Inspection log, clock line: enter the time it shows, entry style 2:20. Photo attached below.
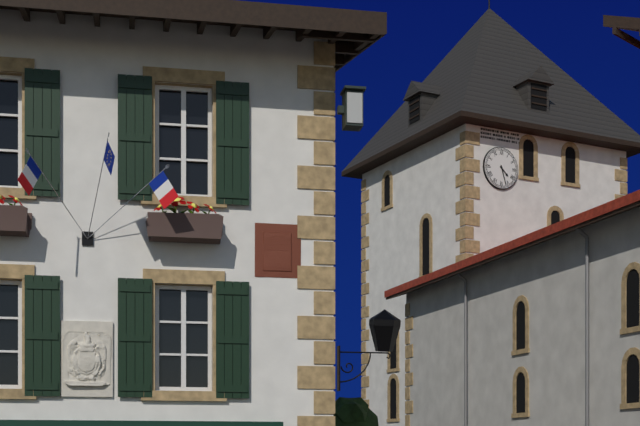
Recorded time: 4:27
